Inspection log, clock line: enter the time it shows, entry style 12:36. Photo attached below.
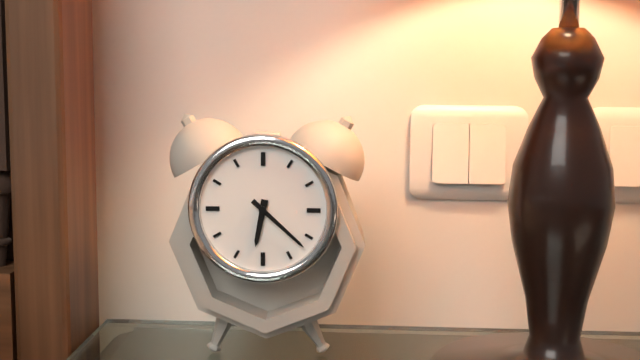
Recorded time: 6:22
